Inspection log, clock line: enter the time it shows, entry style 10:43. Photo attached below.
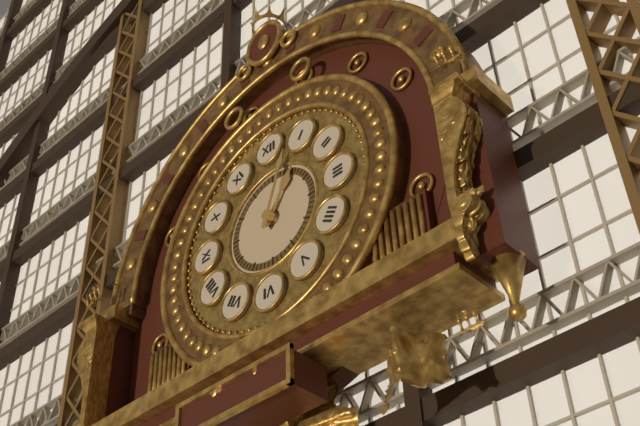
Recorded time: 1:03
